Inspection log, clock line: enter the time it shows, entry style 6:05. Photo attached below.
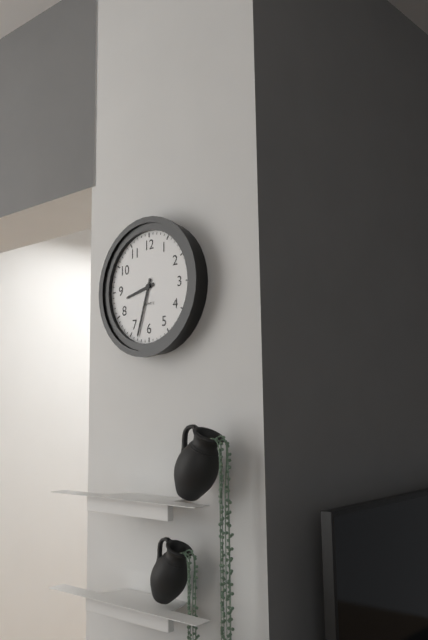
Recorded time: 8:33
